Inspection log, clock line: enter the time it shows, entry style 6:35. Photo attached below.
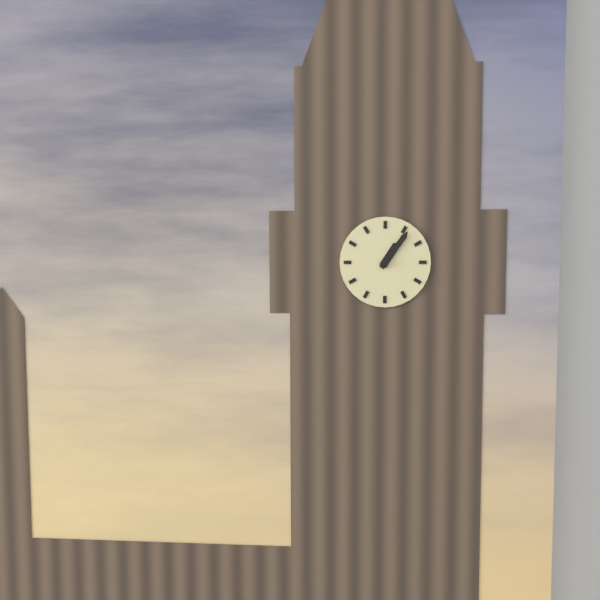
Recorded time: 1:06
